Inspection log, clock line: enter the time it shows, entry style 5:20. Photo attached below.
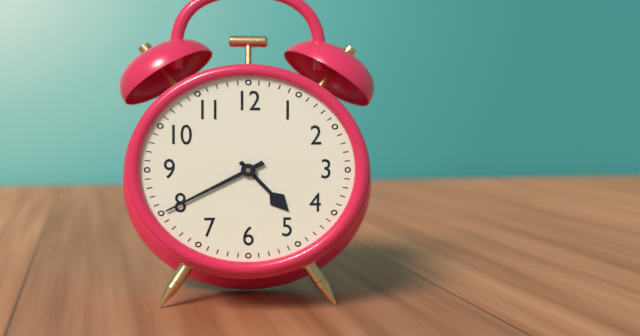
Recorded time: 4:40
